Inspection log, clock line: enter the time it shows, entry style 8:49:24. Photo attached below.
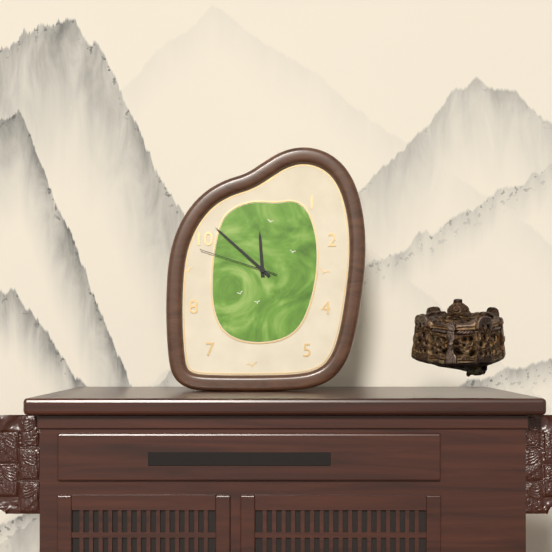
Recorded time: 11:52:48
